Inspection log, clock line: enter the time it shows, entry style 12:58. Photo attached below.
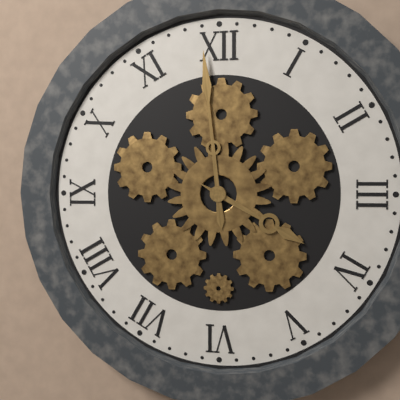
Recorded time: 3:59
